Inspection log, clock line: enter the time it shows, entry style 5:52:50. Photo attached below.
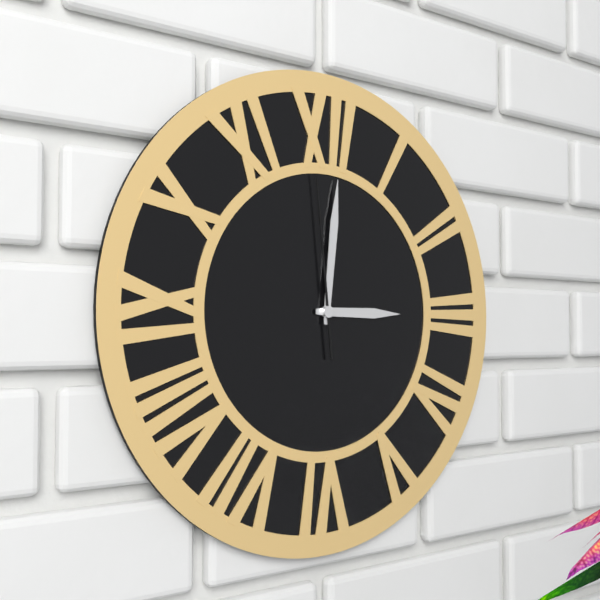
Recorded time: 3:01:59
